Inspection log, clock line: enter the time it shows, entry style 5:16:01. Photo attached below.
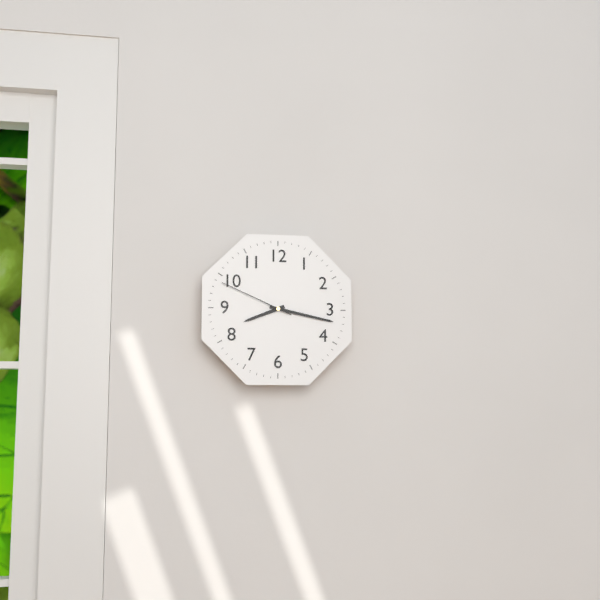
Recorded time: 8:17:49
